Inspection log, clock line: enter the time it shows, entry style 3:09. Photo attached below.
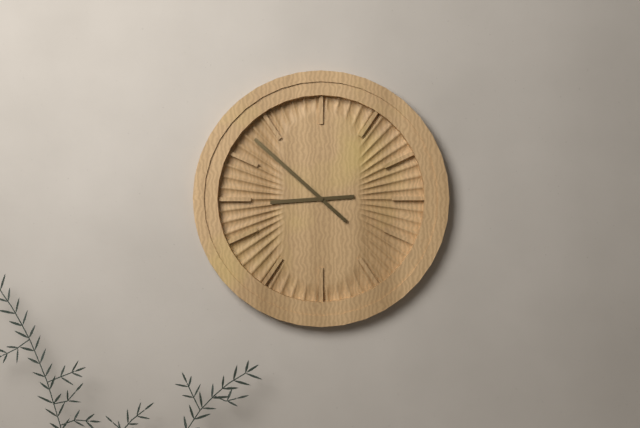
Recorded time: 8:52
